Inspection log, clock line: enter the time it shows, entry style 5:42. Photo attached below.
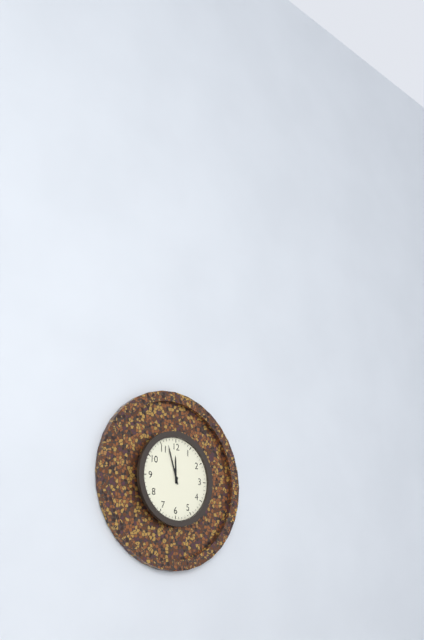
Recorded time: 11:57
